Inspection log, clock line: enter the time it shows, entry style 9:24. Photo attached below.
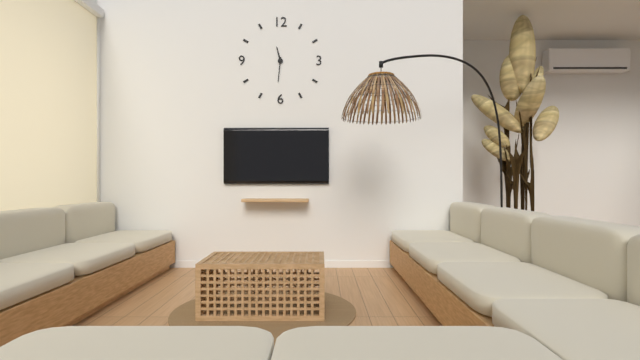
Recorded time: 11:31
